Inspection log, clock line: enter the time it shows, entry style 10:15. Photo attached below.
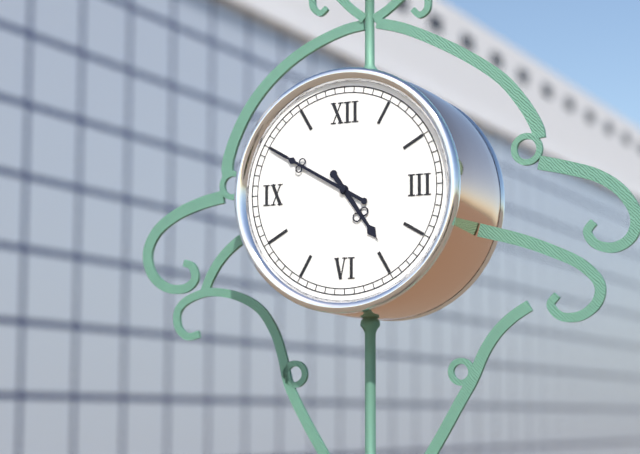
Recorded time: 4:50
